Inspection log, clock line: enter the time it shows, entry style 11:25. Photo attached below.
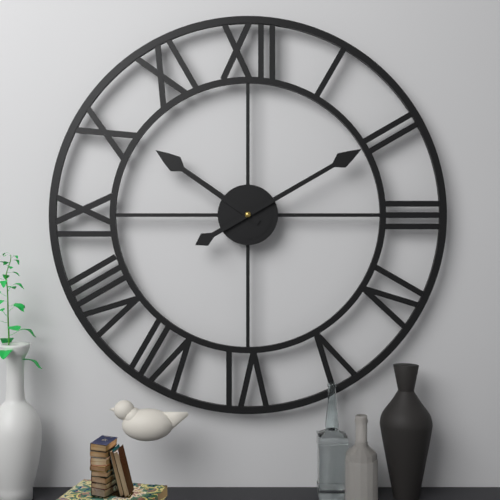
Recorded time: 10:10
